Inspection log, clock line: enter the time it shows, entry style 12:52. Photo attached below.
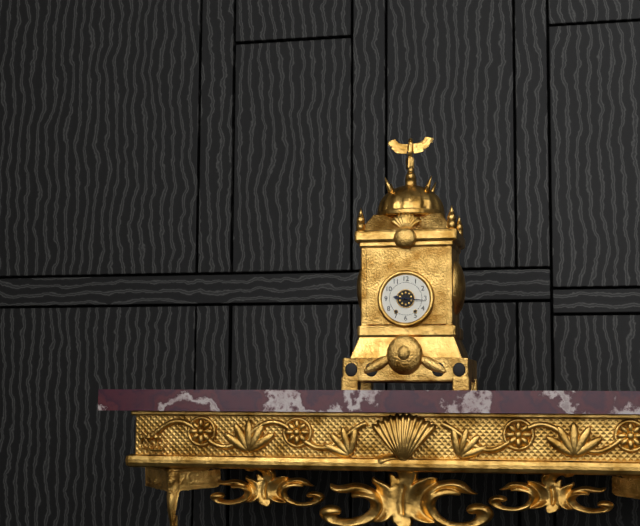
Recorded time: 9:16
